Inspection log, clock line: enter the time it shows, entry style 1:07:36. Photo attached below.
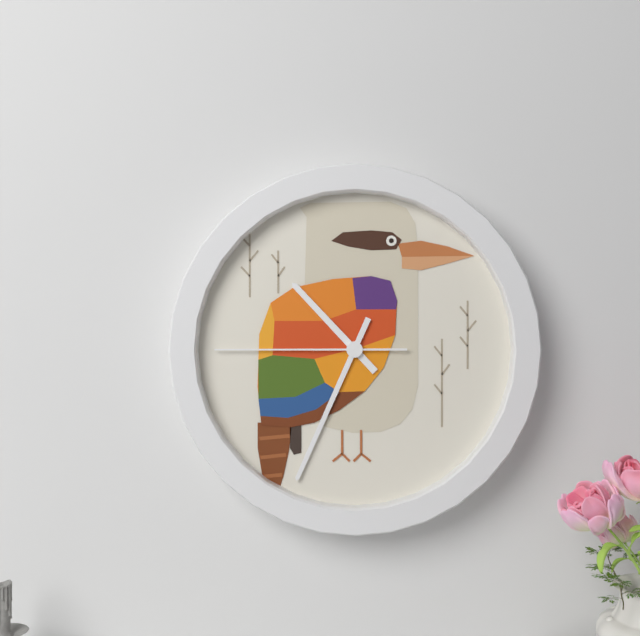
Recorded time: 10:34:45
